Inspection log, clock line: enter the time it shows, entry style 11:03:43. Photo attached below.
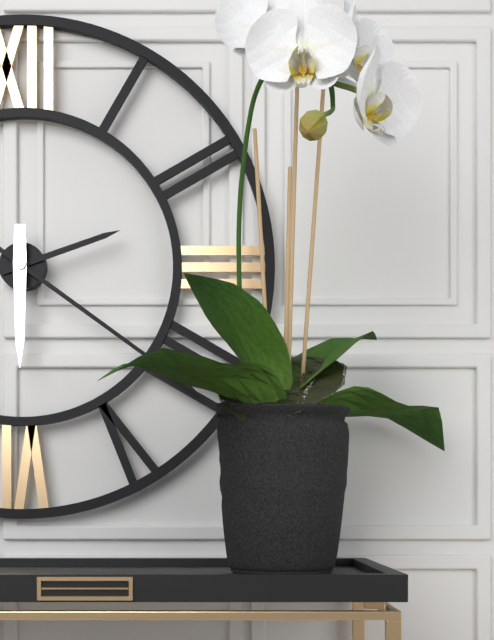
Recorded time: 2:21:30
